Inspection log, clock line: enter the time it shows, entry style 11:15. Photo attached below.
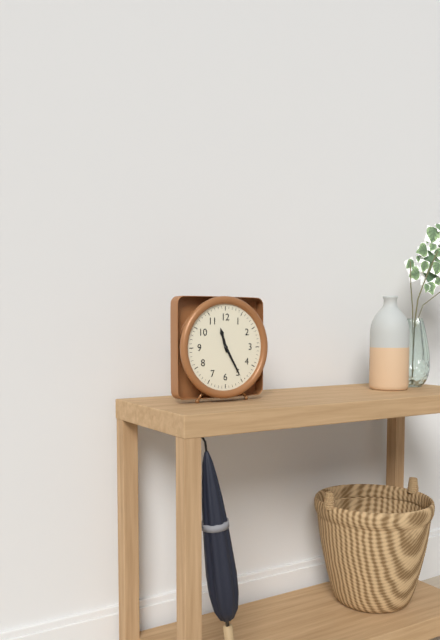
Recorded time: 11:25
